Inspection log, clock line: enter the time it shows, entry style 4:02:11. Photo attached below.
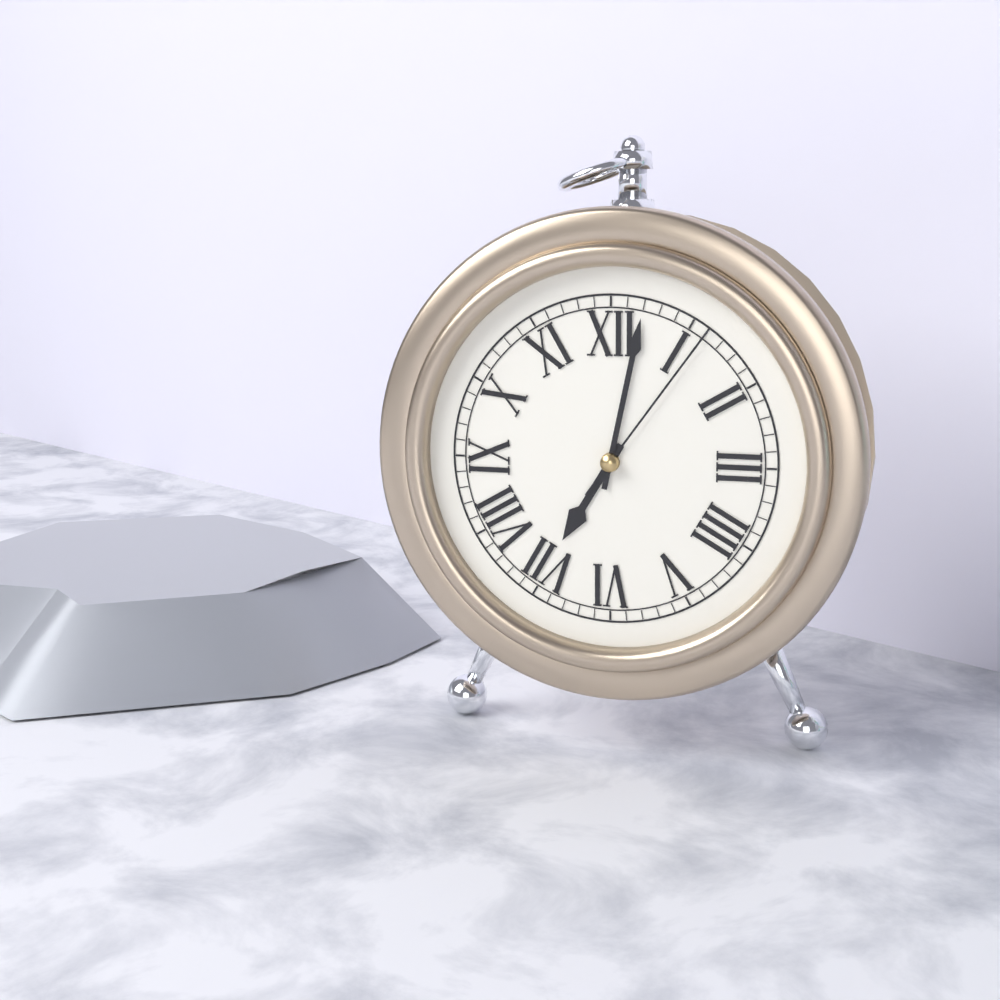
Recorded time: 7:02:06
